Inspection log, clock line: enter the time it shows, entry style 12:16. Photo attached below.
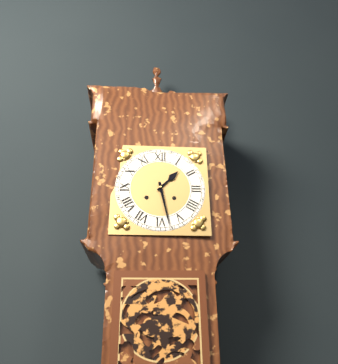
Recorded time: 1:28
